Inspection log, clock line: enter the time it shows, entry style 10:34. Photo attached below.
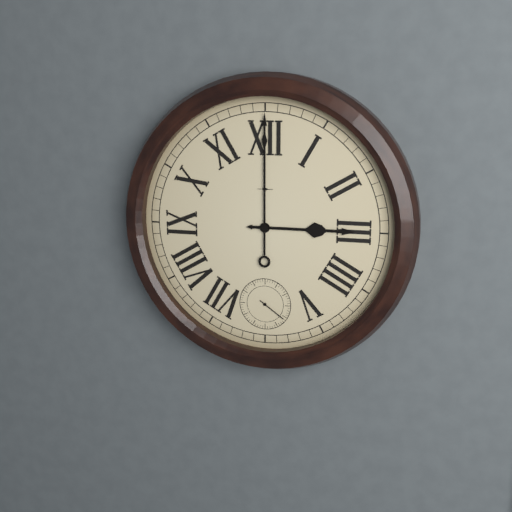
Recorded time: 3:00
